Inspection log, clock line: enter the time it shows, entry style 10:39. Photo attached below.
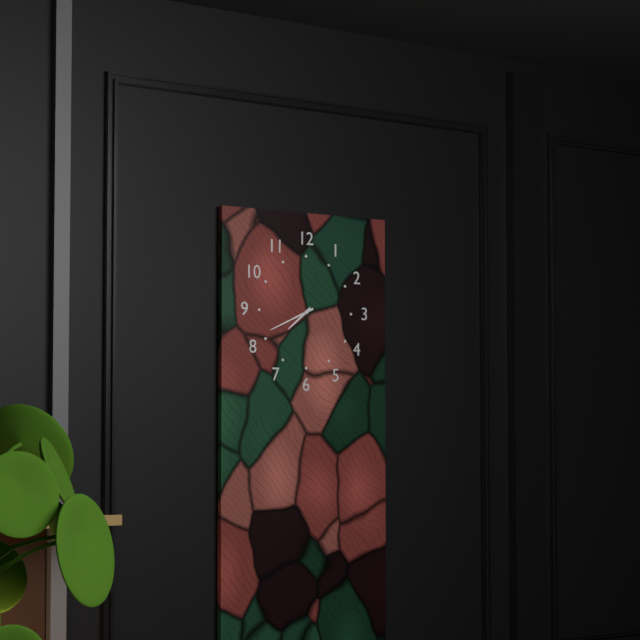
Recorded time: 7:41
